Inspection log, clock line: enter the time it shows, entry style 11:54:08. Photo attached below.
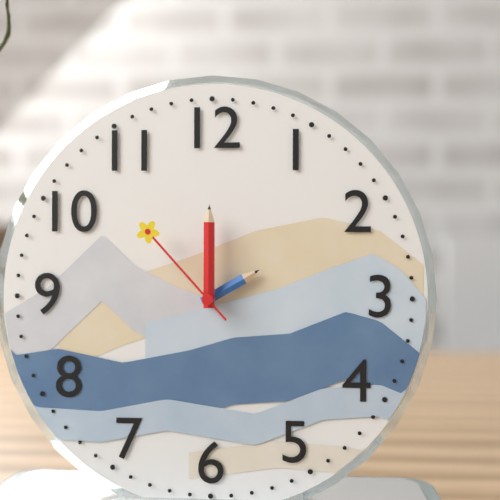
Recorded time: 2:00:53
